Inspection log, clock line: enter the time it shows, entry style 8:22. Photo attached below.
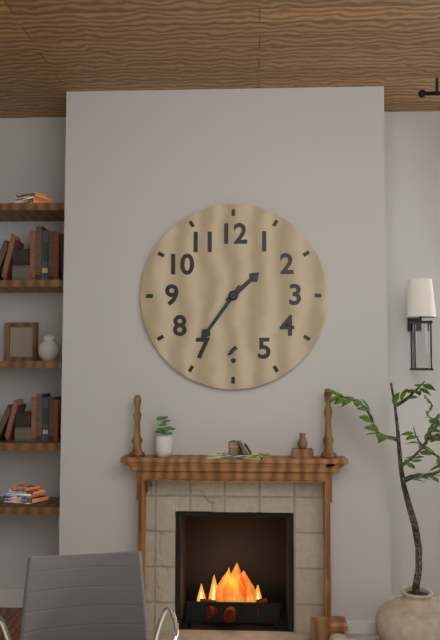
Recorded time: 1:36
